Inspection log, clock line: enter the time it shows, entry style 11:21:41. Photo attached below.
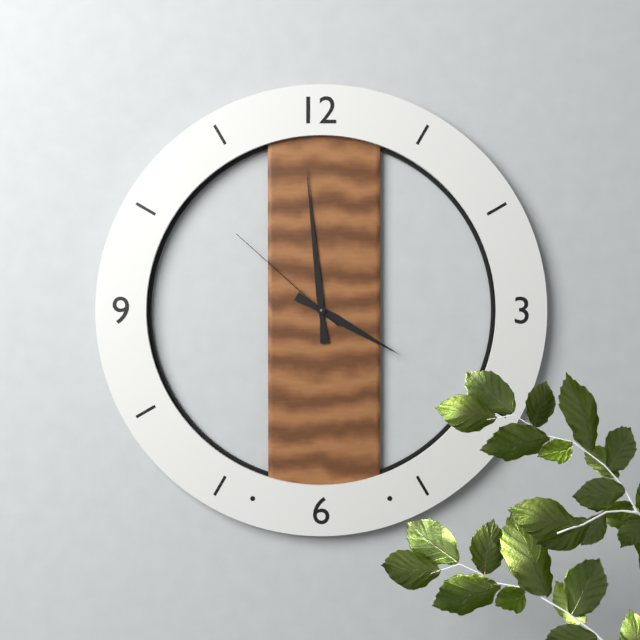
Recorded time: 3:59:52
